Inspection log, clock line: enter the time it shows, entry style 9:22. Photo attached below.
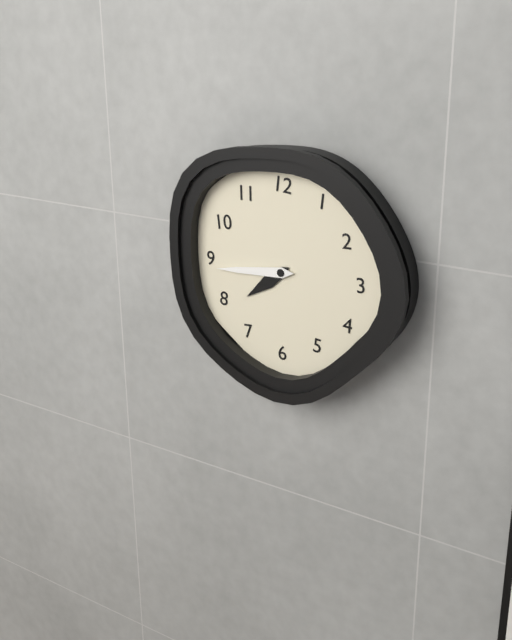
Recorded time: 7:44
